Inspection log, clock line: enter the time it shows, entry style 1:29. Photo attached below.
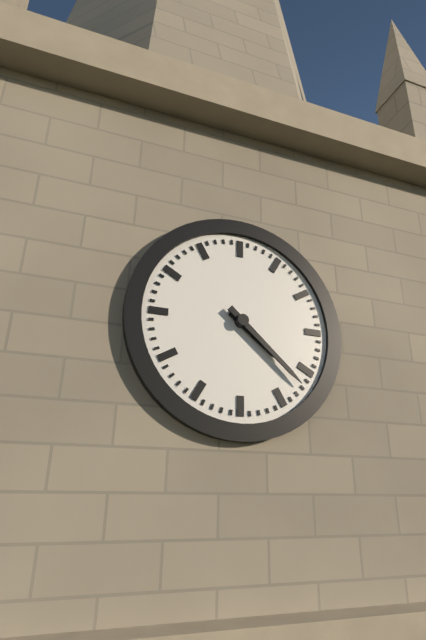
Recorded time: 4:22
